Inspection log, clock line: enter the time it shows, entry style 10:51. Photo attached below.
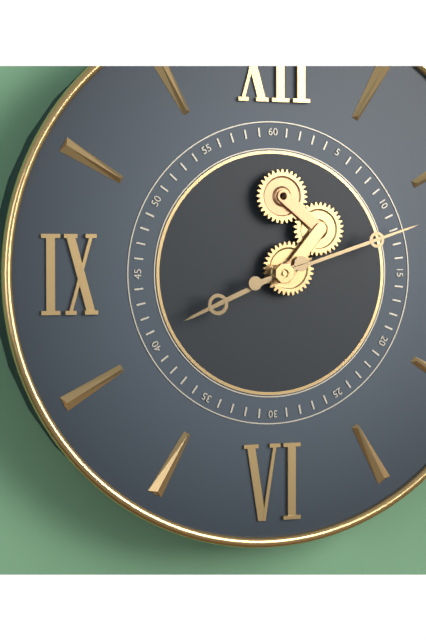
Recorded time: 8:12
